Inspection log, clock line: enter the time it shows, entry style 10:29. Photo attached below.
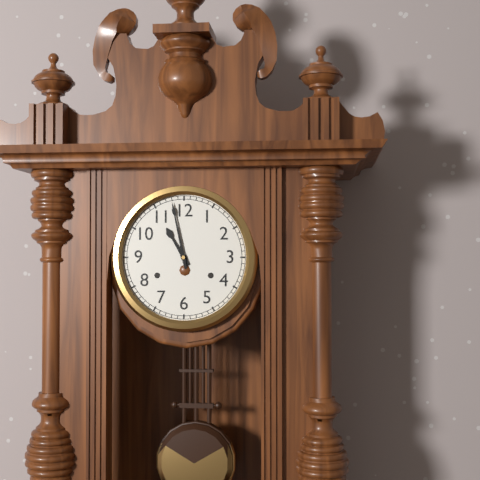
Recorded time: 10:58
